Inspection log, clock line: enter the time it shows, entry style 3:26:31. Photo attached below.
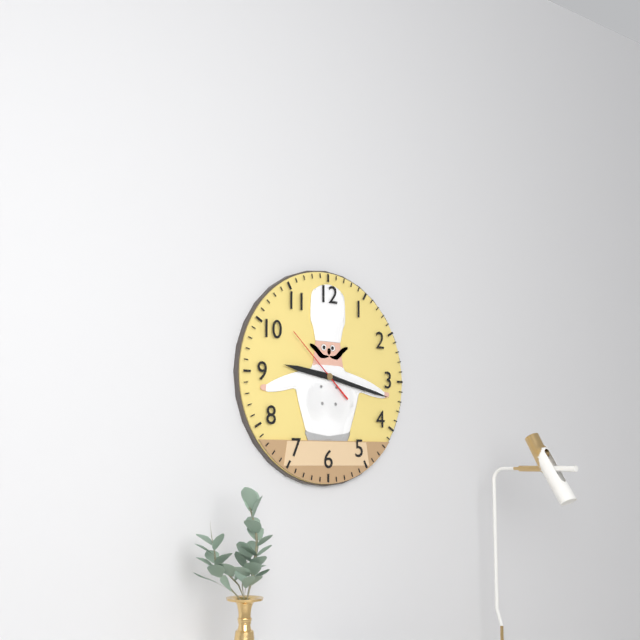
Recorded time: 9:17:52
